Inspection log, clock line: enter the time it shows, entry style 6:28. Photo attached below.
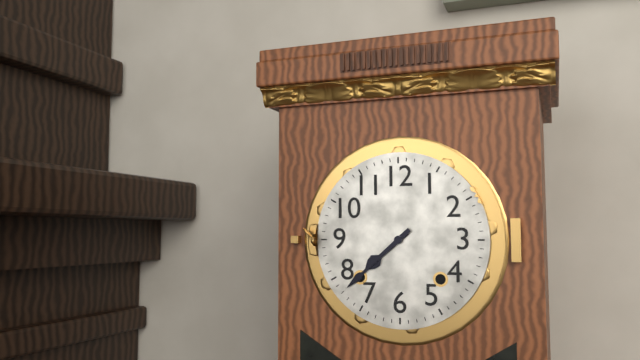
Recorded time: 7:38
